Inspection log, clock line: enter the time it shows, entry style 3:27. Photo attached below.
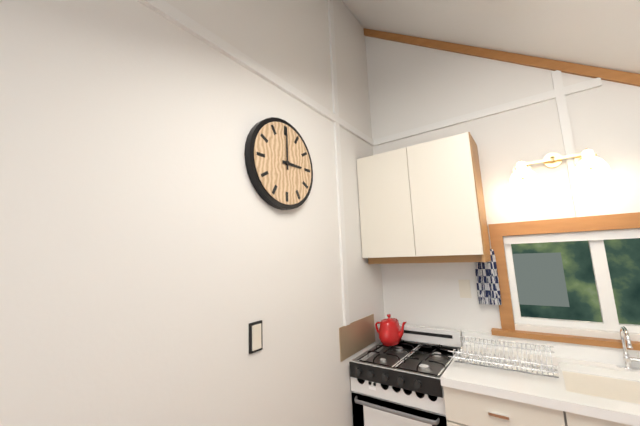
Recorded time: 3:00
